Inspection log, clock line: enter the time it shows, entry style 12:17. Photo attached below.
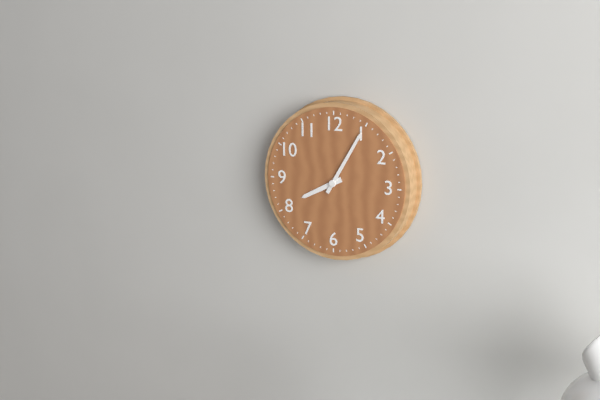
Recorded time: 8:05
